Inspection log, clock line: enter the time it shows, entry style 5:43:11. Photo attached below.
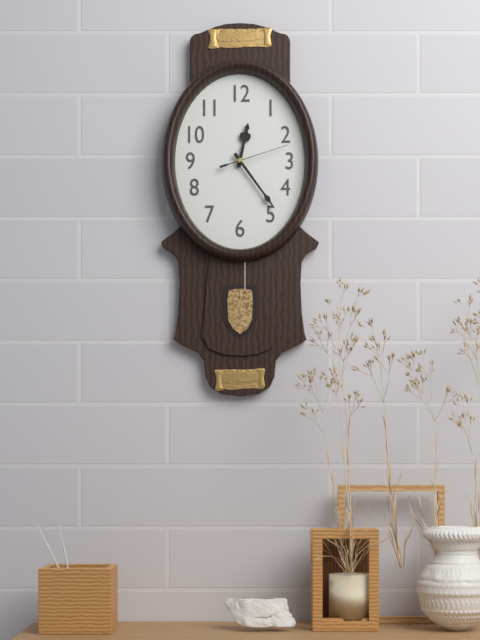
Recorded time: 12:24:12
